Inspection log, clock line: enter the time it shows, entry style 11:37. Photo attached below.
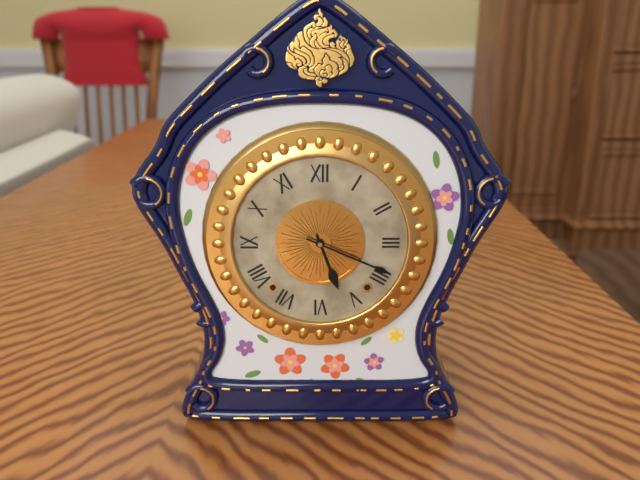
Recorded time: 5:19
